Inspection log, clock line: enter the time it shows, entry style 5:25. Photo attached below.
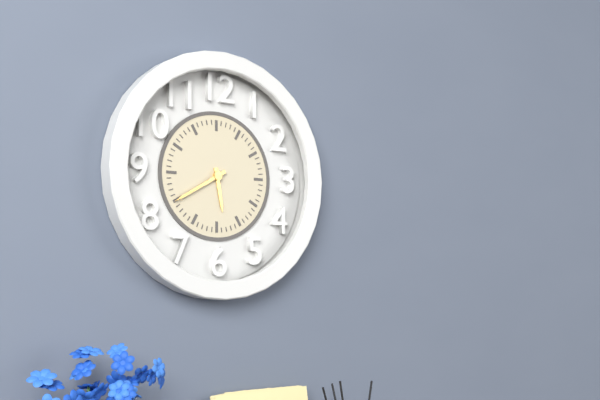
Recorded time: 5:40
